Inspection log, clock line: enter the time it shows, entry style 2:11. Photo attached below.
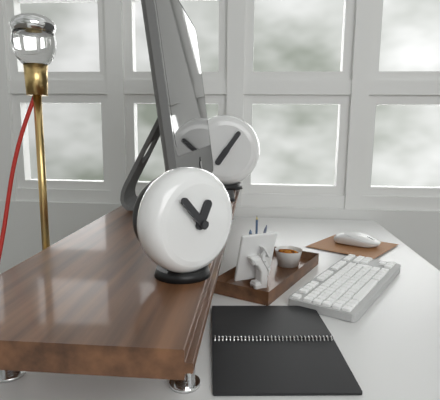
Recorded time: 12:53
